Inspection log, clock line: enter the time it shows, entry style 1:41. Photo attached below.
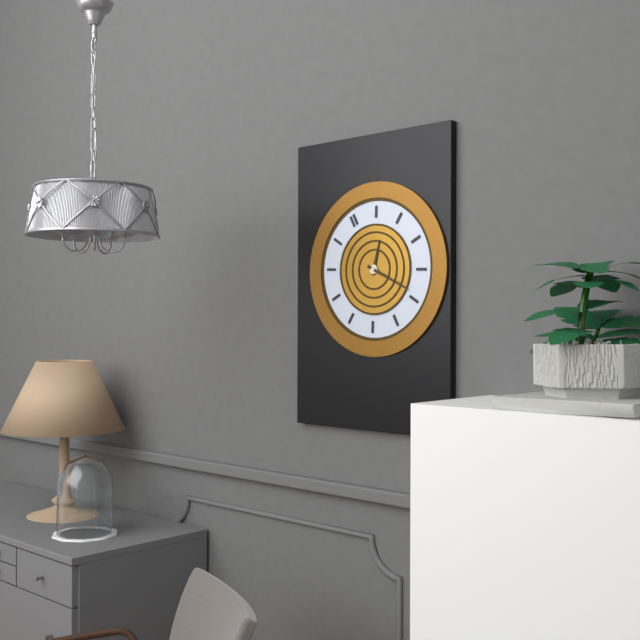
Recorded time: 1:24
